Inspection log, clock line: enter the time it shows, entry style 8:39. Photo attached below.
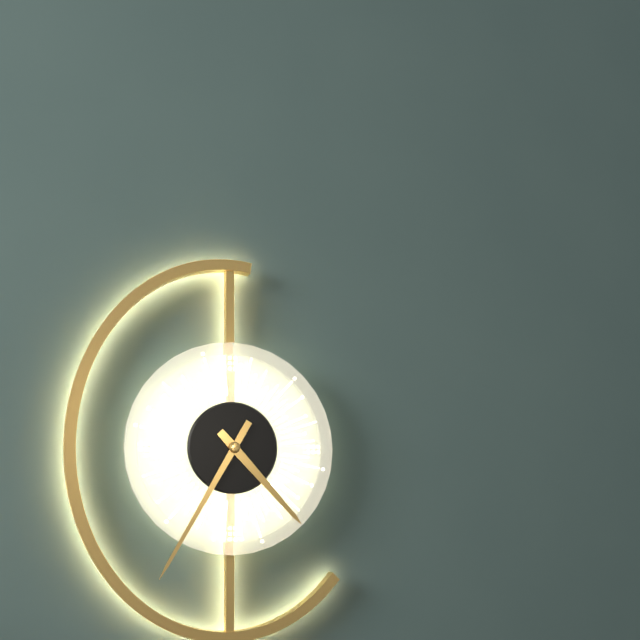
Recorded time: 4:35
